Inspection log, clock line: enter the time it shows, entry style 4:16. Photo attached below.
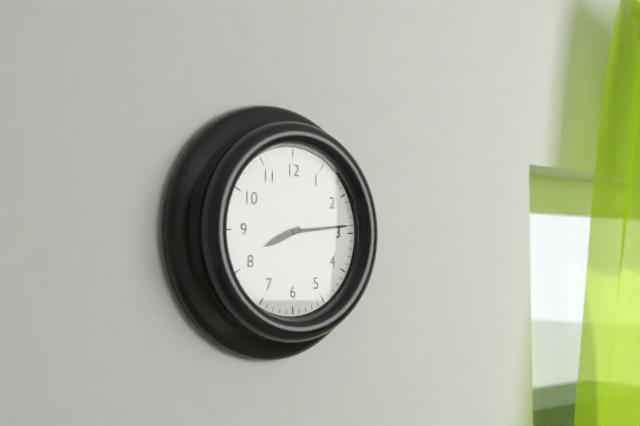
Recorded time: 8:14
